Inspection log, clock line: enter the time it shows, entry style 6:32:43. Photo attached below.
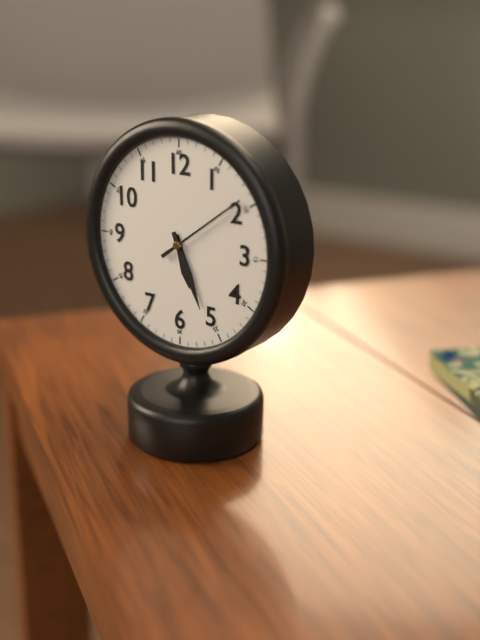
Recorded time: 5:26:09
